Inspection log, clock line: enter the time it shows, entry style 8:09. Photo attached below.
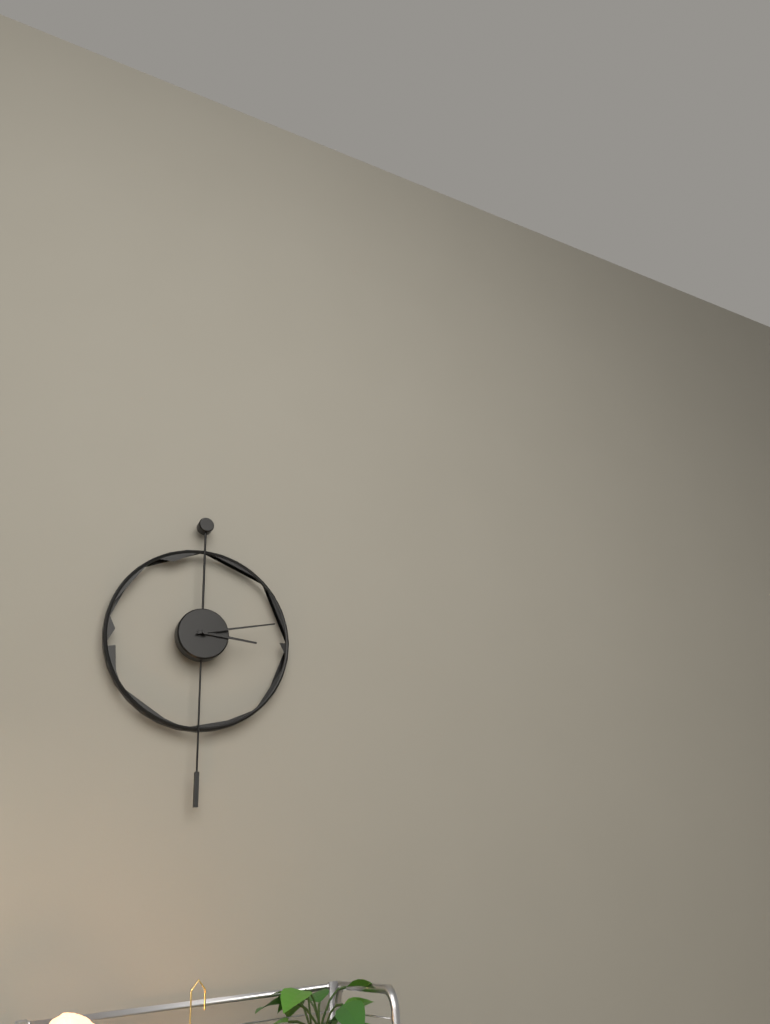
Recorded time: 3:13
